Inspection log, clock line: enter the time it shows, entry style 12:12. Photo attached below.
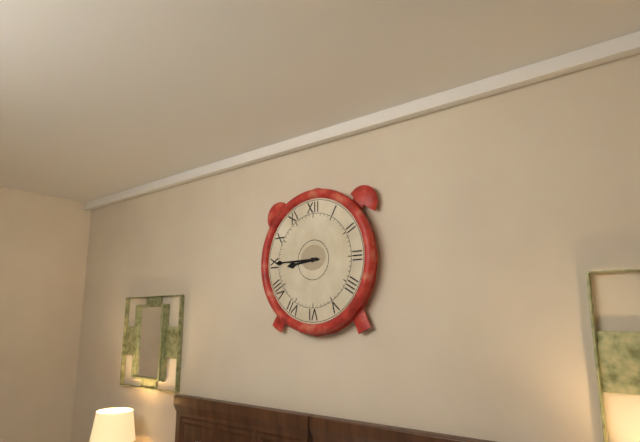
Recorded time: 8:45
